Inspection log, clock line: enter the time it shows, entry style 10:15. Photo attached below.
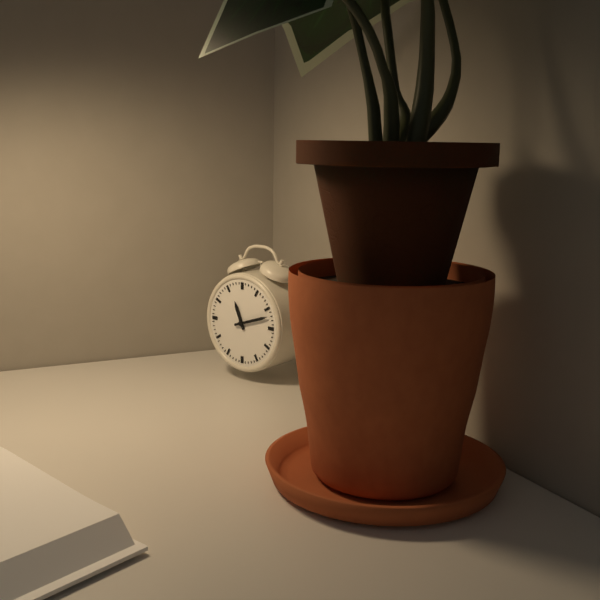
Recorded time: 11:12
